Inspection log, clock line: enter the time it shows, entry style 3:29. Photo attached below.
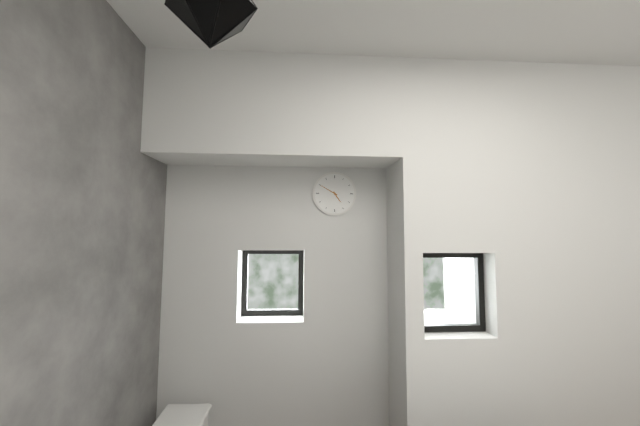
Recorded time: 4:50
